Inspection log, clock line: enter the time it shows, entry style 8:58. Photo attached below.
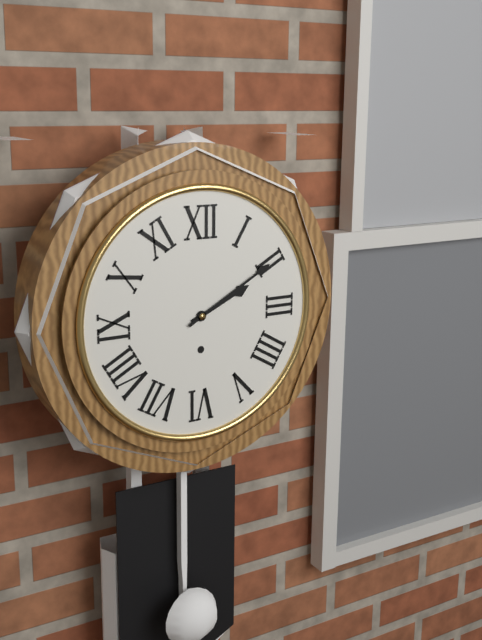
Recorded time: 2:10
